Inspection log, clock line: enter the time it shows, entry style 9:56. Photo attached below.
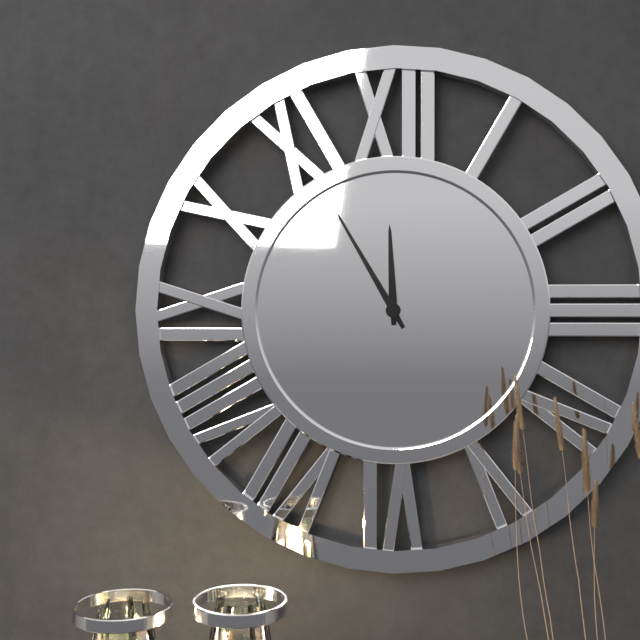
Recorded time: 11:55
